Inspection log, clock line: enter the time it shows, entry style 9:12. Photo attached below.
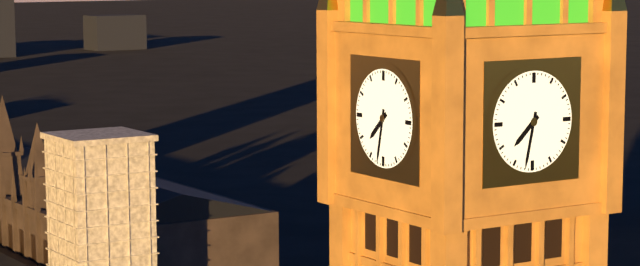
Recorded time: 7:32
